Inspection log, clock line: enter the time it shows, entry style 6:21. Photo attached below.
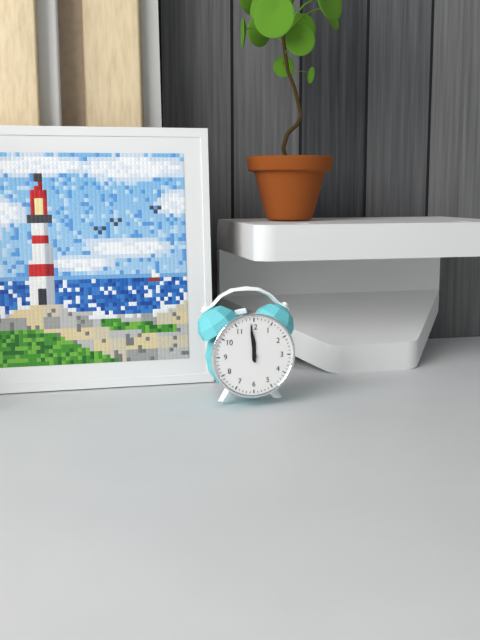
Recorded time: 11:59
